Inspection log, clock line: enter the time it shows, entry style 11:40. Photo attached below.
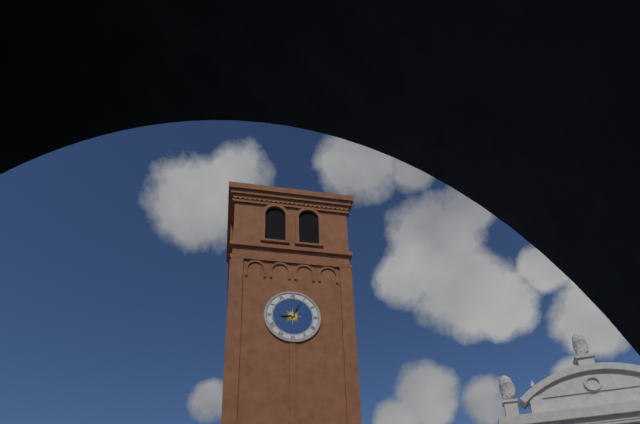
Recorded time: 9:04
